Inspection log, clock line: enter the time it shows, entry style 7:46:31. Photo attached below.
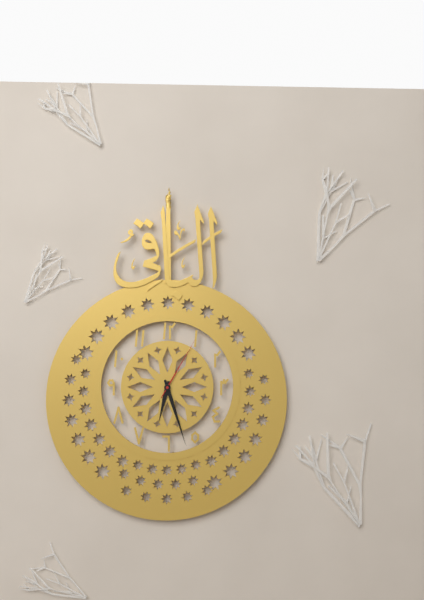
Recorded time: 6:27:05
